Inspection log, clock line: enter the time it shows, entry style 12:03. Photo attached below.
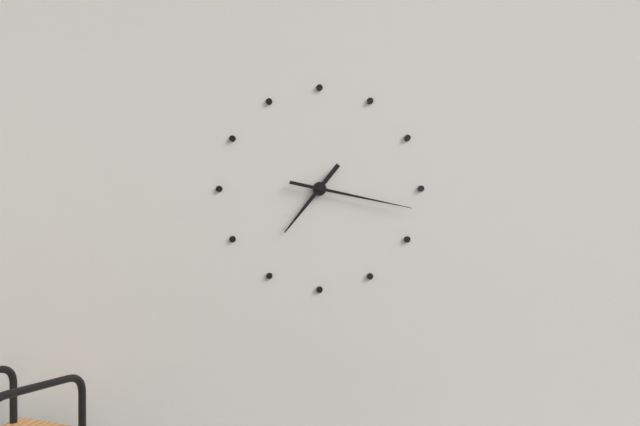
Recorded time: 7:17
